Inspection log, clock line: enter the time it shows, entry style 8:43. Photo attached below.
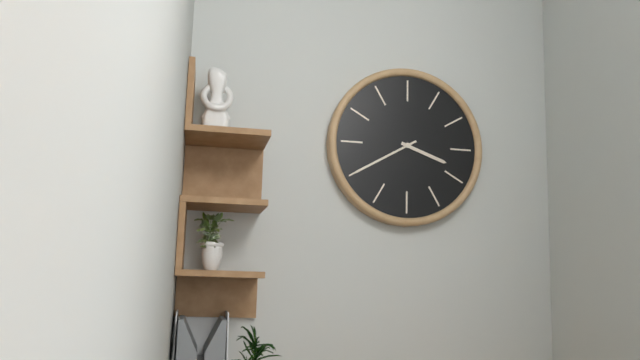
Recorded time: 3:40
